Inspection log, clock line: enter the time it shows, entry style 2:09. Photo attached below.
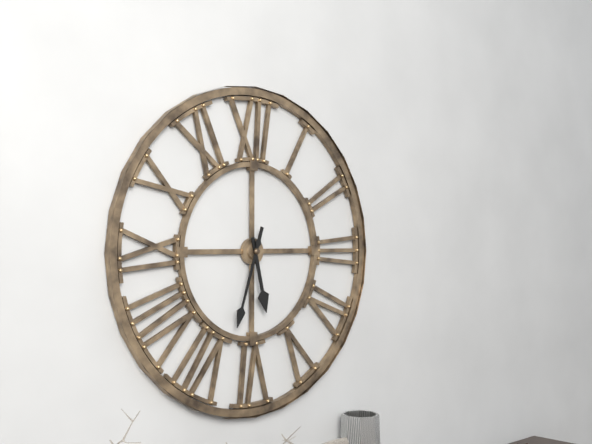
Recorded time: 5:33
